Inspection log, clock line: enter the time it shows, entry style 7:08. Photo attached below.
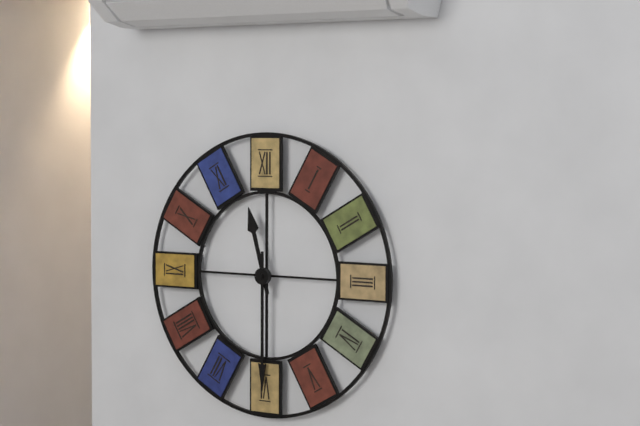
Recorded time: 11:30
